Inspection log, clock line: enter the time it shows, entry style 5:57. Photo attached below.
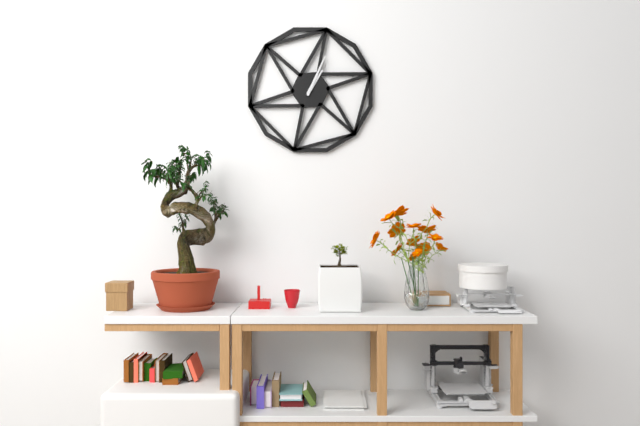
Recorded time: 1:04
